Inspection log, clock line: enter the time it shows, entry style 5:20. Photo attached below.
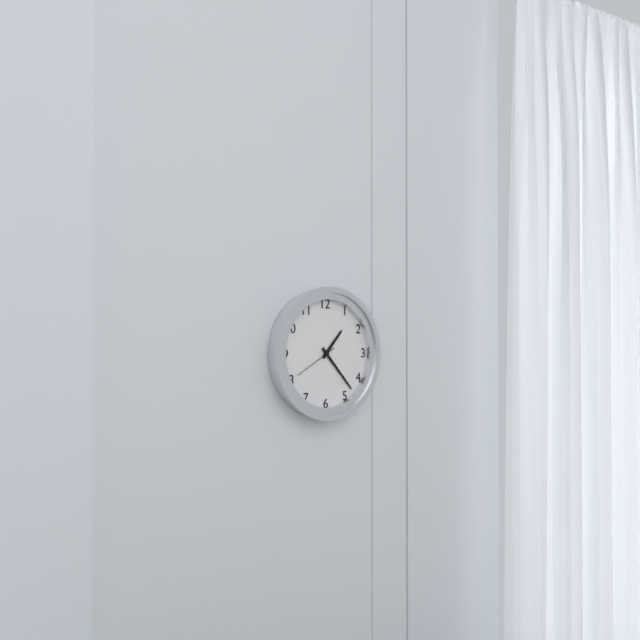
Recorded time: 1:23
